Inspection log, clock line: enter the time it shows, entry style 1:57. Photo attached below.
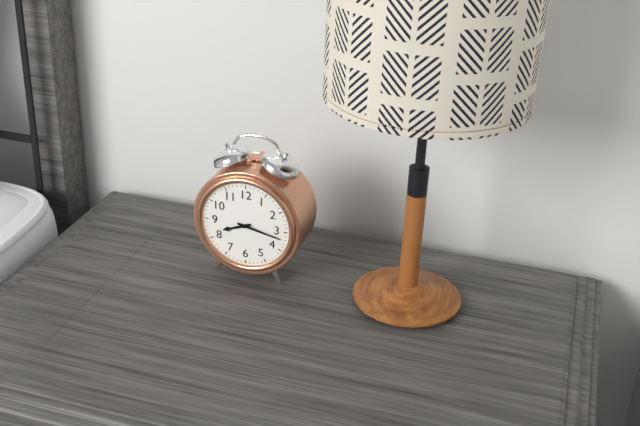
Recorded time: 8:17
